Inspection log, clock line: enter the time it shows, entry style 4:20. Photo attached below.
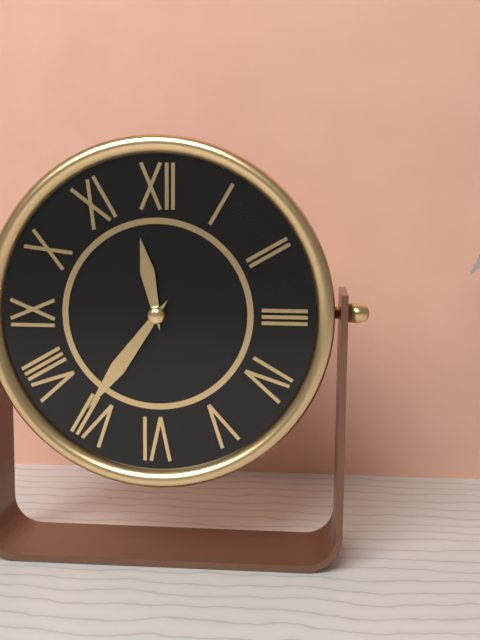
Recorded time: 11:36
